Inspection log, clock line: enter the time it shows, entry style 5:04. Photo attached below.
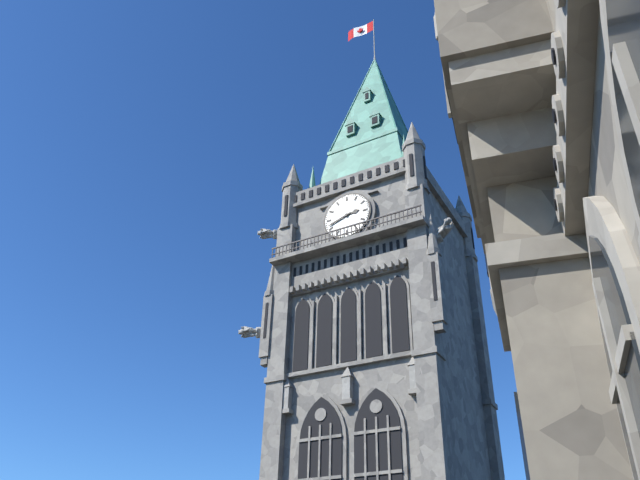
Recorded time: 2:42
